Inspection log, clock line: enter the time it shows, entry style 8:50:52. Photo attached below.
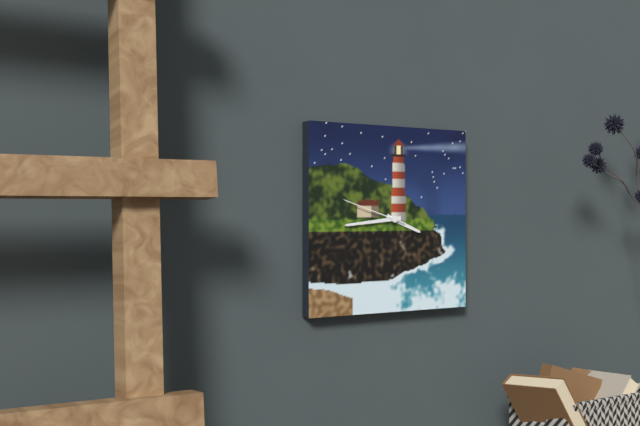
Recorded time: 3:44:48
